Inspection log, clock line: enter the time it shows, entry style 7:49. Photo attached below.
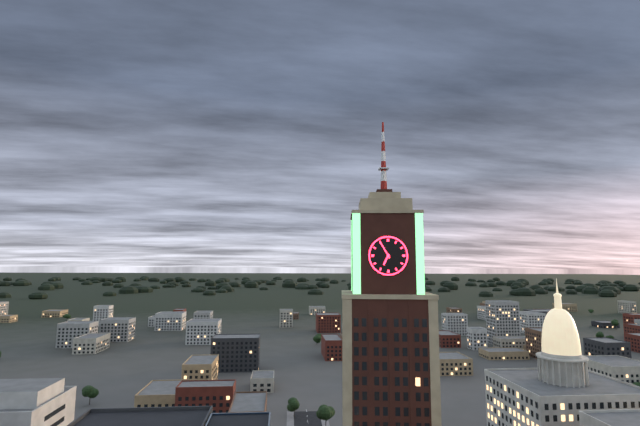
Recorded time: 6:55
